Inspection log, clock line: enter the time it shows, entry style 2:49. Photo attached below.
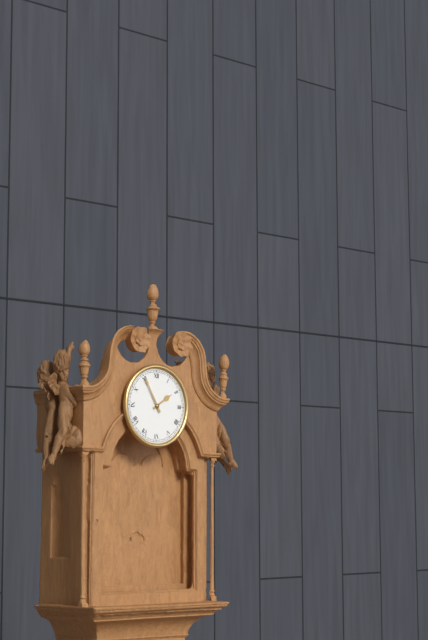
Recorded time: 1:55
